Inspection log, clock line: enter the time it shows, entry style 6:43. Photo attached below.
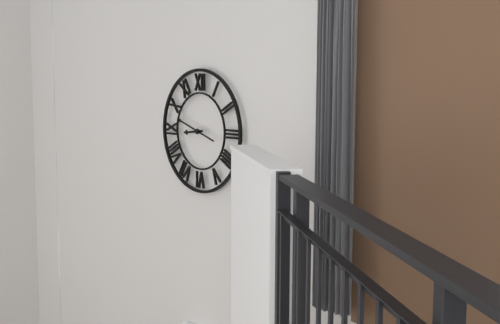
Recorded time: 8:48
